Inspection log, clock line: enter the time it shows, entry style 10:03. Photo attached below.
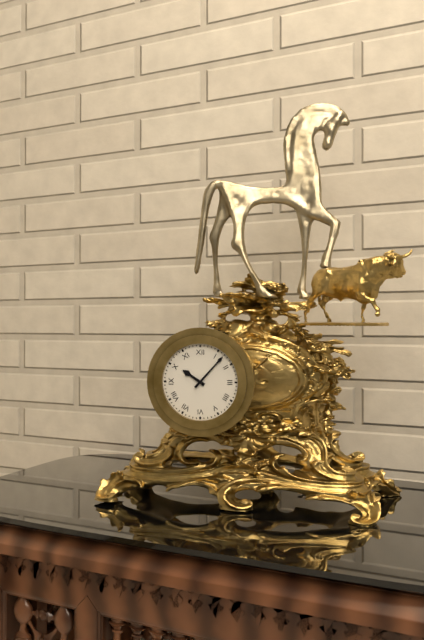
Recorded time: 10:07
